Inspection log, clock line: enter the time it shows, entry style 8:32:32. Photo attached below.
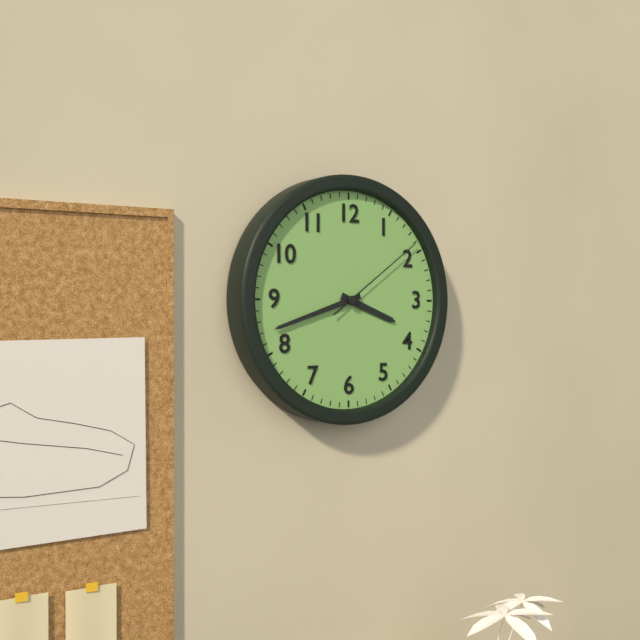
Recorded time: 3:42:09
